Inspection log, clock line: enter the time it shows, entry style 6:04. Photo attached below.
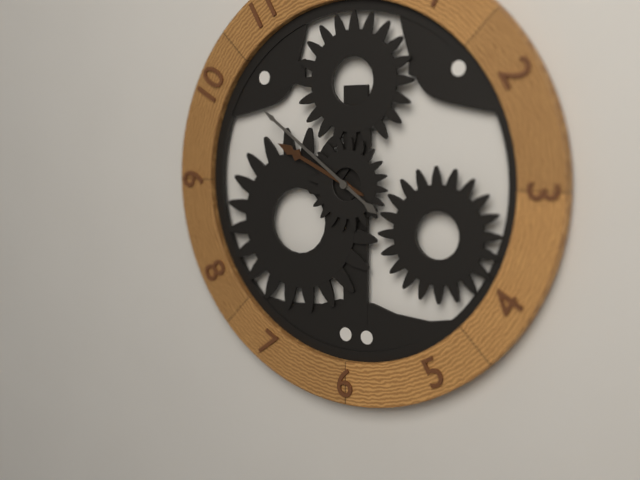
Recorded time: 9:51
